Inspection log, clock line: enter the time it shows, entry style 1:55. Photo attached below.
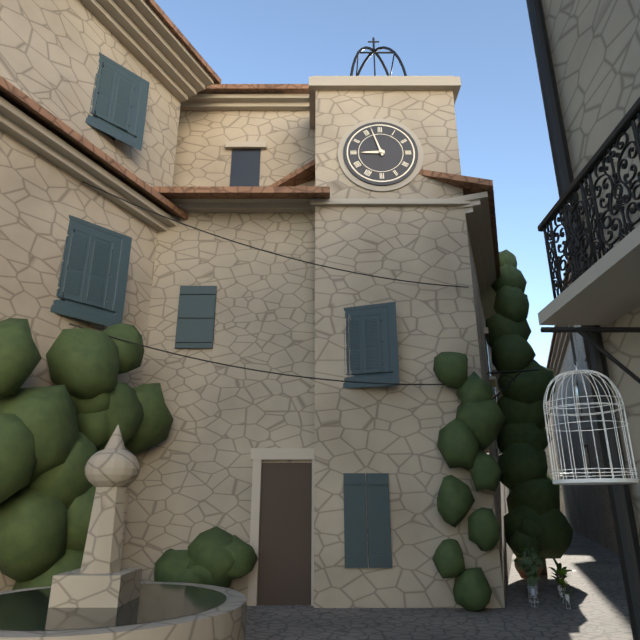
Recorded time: 8:57
